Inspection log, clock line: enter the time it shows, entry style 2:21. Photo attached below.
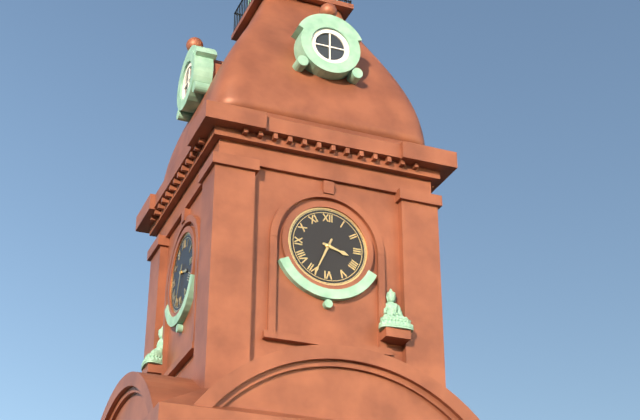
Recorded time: 3:34
